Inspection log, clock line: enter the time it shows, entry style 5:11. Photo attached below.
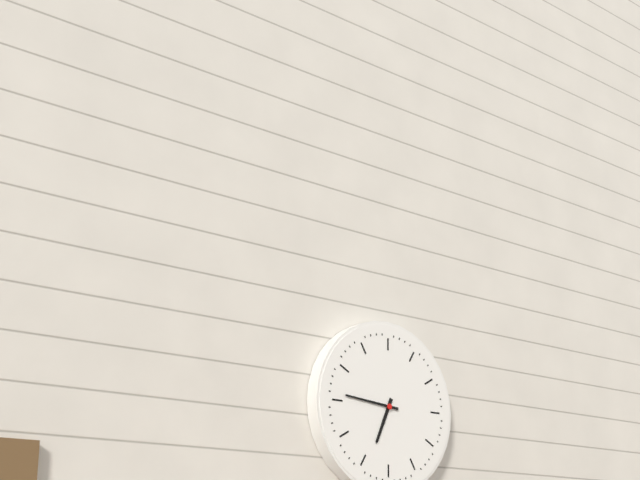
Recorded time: 6:46
